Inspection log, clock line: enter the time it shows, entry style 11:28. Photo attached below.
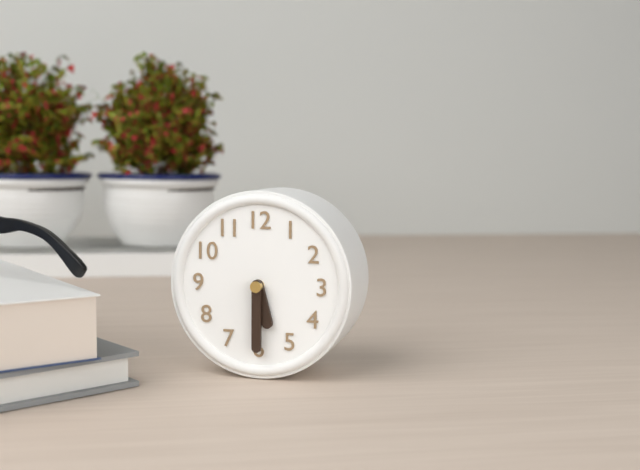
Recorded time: 5:30
